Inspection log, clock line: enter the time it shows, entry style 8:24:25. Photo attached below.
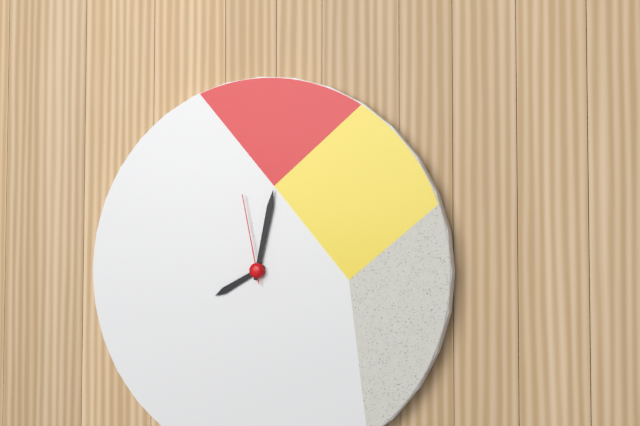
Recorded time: 8:02:58
